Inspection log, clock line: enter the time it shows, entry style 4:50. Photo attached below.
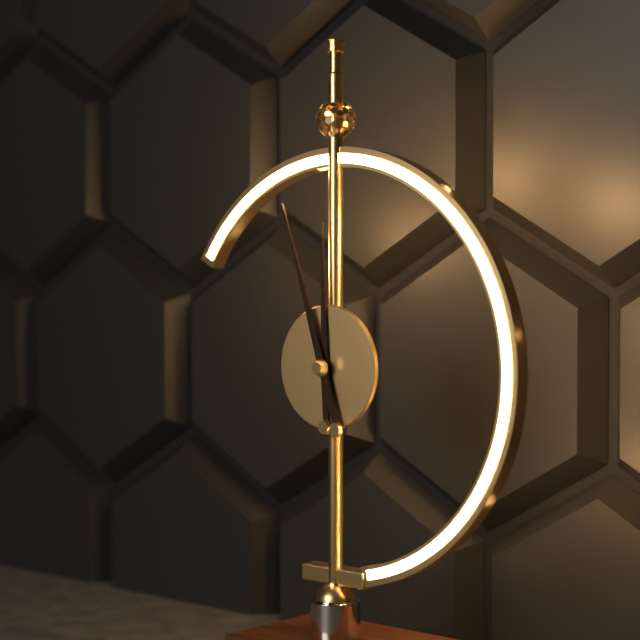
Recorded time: 11:57
